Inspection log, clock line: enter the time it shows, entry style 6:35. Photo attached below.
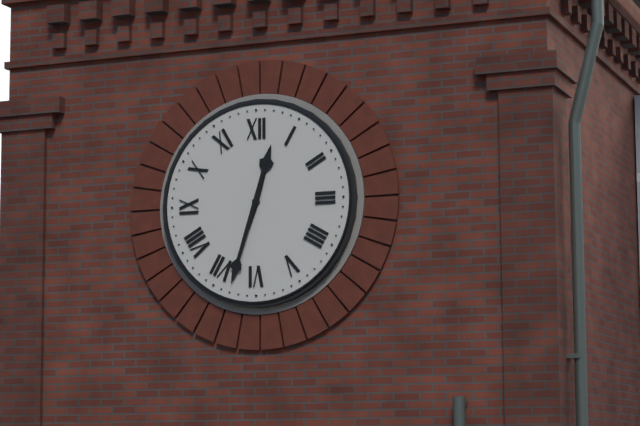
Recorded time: 12:33
